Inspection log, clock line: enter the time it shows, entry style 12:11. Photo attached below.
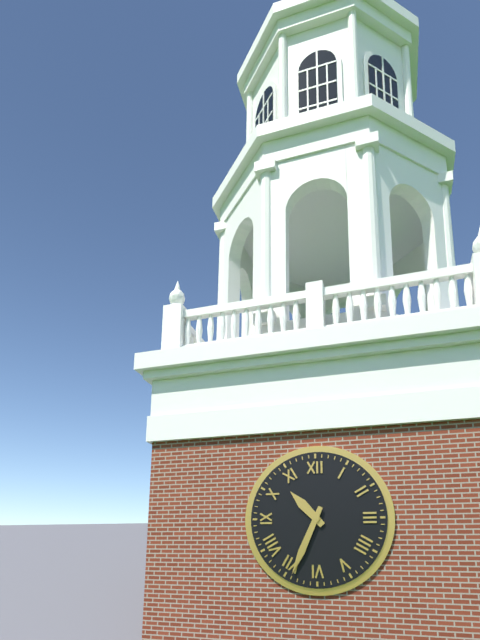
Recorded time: 10:34
